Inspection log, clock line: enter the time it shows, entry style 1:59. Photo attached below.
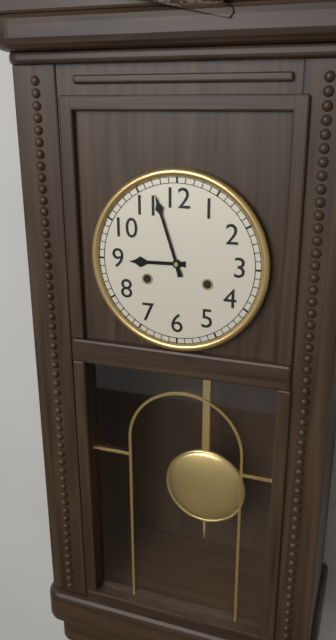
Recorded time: 8:57
